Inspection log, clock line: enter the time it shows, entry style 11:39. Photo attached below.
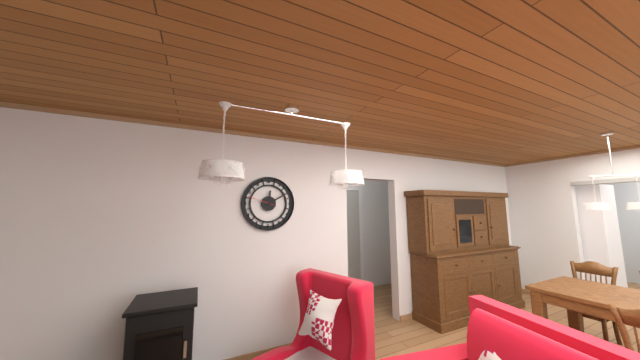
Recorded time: 12:10
